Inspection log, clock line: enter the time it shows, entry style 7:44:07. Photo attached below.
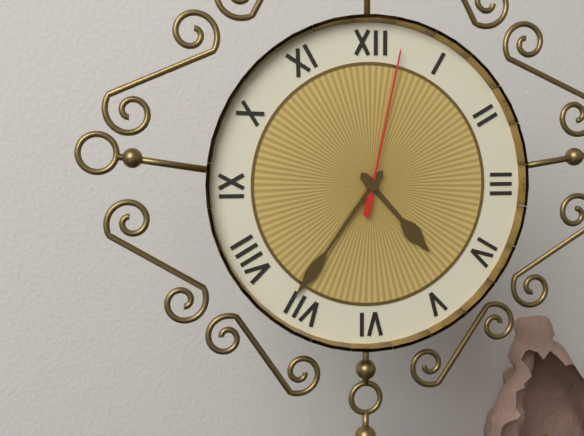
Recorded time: 4:36:02
